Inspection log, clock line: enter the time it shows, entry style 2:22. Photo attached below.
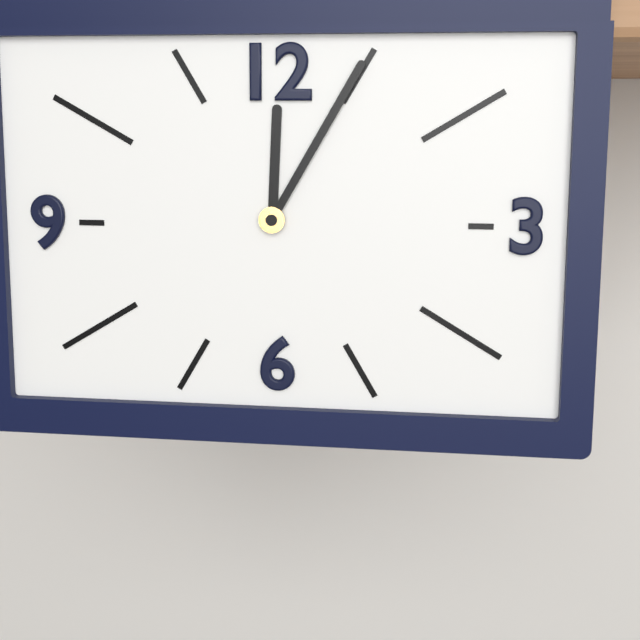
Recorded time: 12:05
